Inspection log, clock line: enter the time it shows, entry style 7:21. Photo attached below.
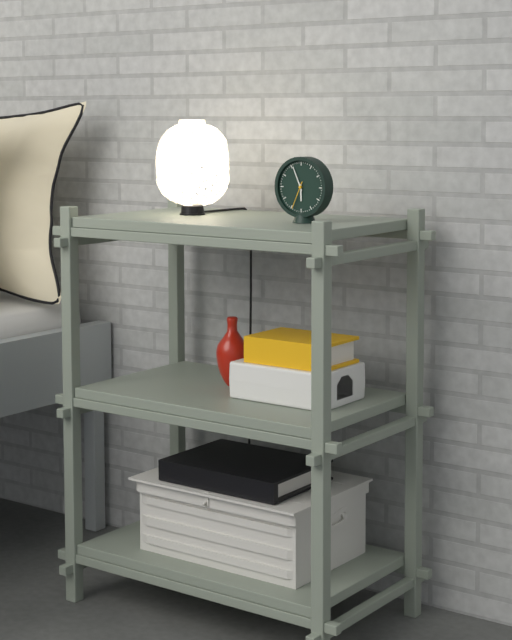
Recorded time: 5:56
